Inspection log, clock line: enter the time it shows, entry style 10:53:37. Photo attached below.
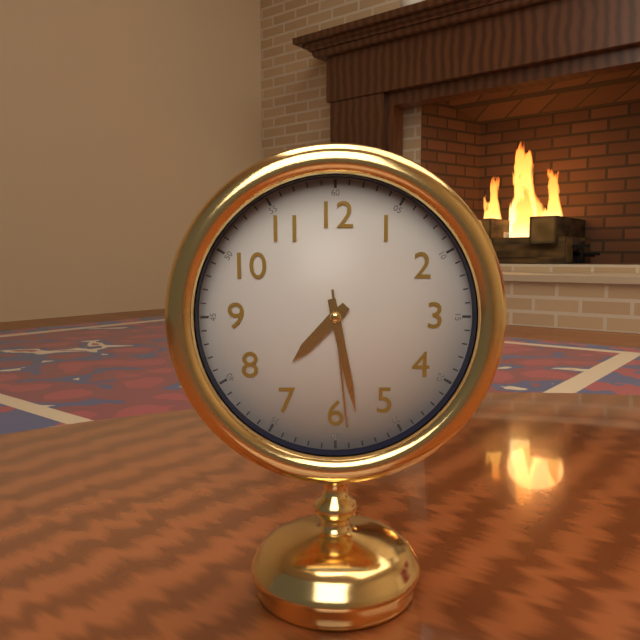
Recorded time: 7:28:29
